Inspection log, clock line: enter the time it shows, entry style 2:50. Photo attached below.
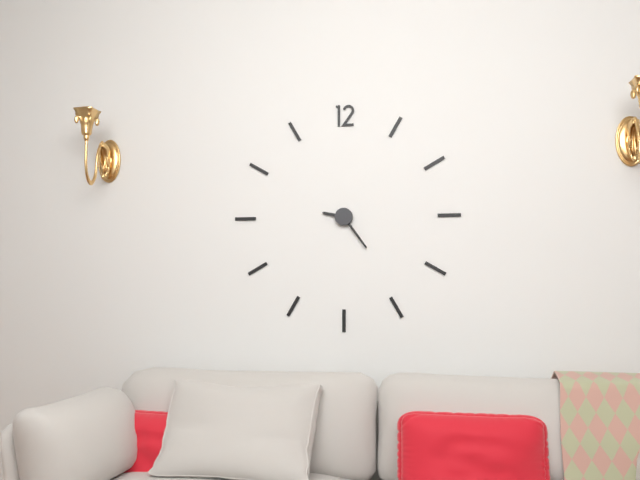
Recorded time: 9:24
